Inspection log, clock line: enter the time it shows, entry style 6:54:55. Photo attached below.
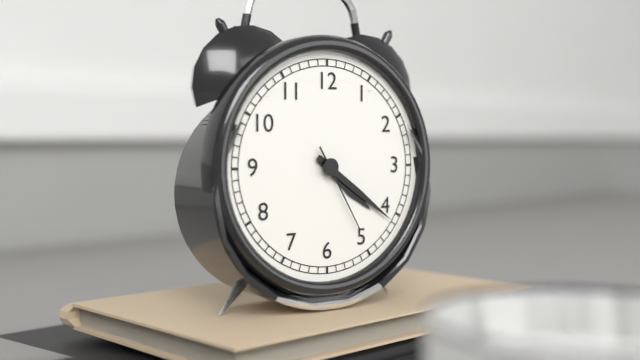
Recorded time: 4:21:25
